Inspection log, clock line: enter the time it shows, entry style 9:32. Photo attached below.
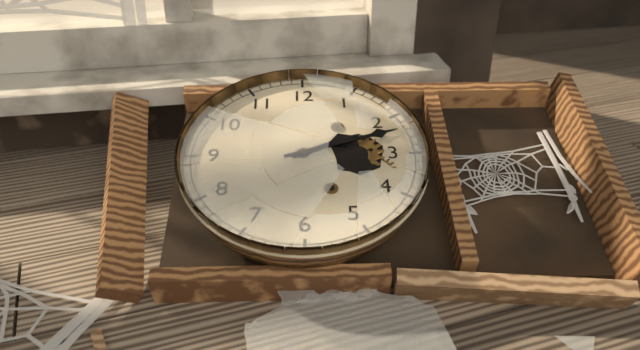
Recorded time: 2:12
